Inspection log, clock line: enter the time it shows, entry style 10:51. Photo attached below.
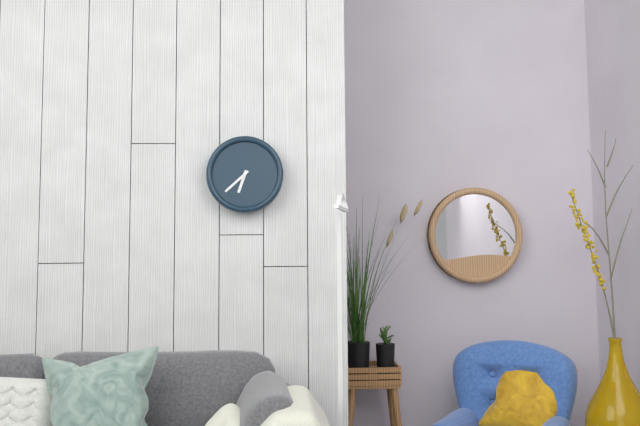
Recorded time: 6:38
